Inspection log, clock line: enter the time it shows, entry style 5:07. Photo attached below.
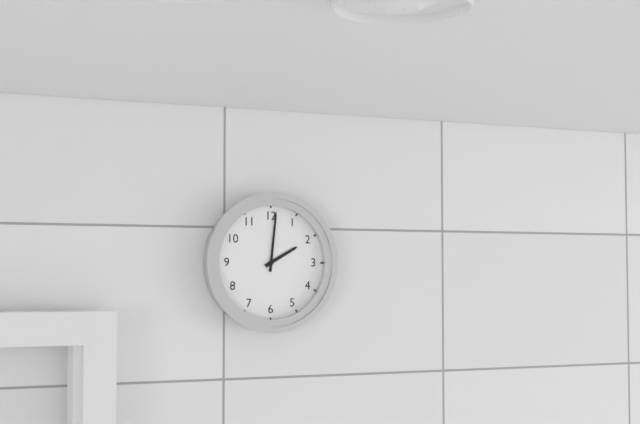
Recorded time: 2:01
